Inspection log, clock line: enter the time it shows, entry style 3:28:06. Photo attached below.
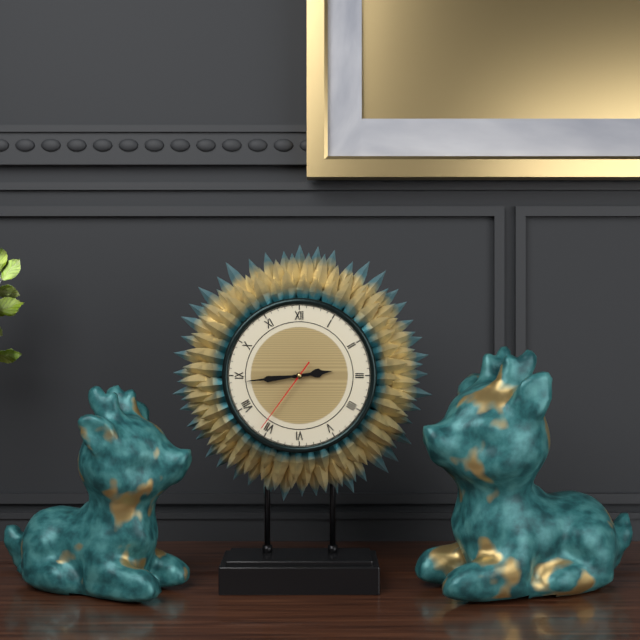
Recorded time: 2:44:36
